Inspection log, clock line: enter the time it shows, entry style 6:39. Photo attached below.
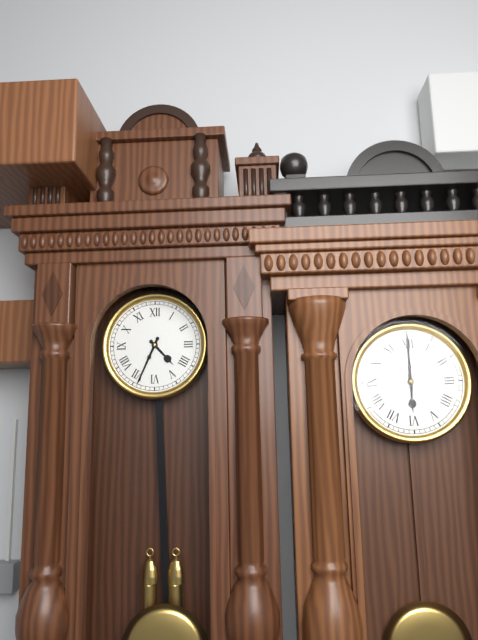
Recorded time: 4:34
